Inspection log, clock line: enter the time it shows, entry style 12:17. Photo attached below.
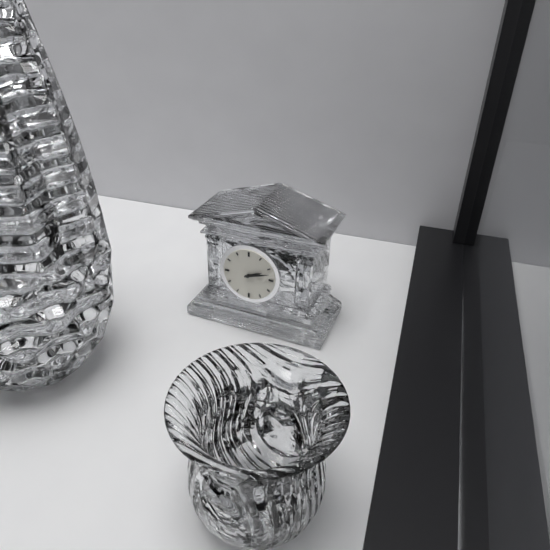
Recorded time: 2:12
